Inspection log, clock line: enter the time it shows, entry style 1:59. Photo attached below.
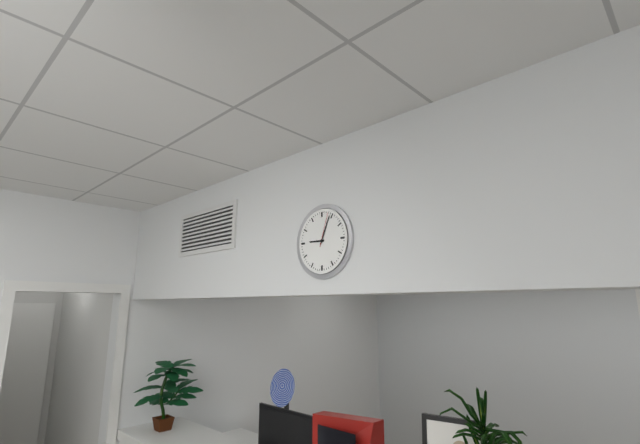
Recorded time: 9:04
